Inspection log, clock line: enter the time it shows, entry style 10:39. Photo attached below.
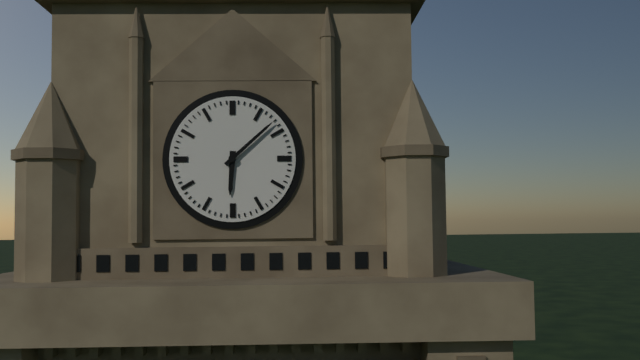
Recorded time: 6:08
